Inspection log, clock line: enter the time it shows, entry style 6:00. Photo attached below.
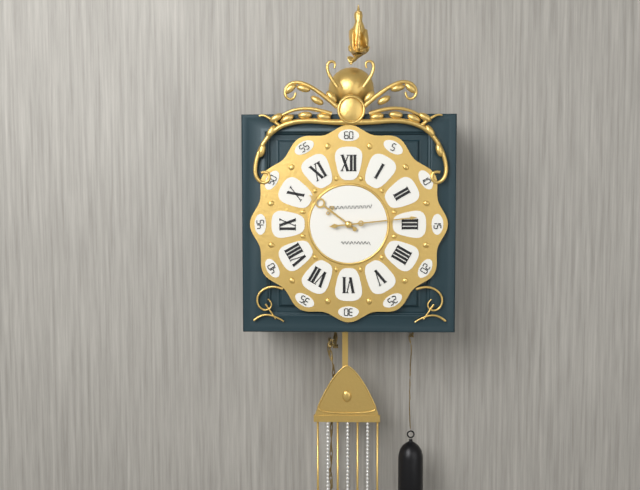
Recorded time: 10:14
